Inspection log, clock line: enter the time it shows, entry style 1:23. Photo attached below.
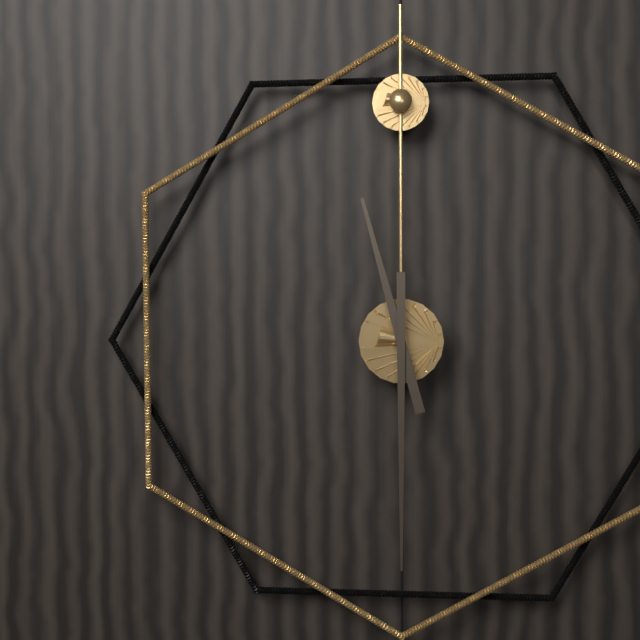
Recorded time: 11:30
